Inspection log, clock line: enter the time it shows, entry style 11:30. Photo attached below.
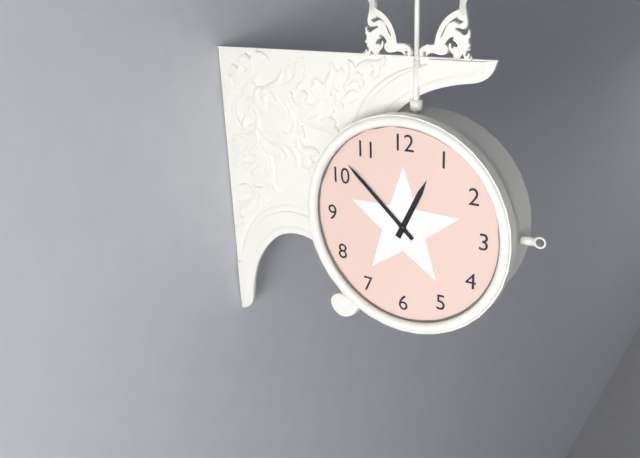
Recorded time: 12:52
